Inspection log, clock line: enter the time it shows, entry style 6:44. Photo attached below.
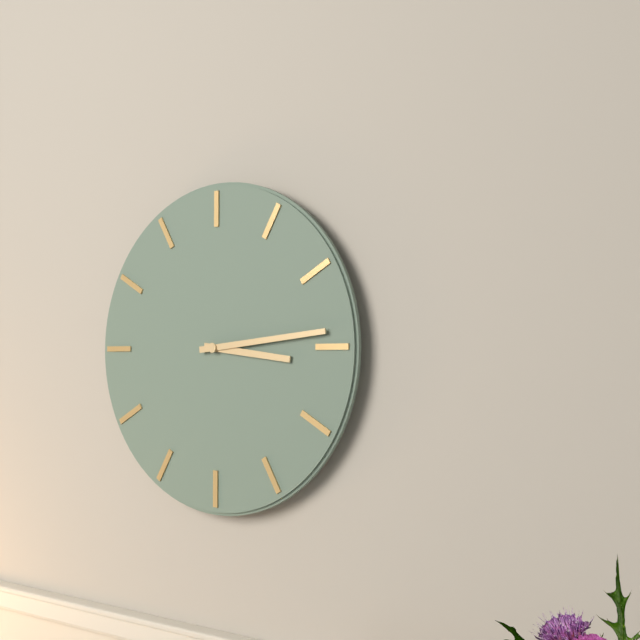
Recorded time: 3:14
